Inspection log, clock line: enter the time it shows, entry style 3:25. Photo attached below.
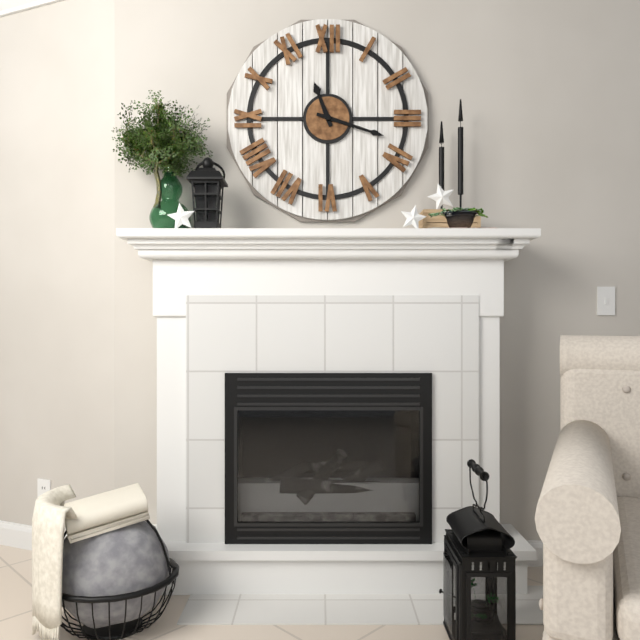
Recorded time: 11:18
